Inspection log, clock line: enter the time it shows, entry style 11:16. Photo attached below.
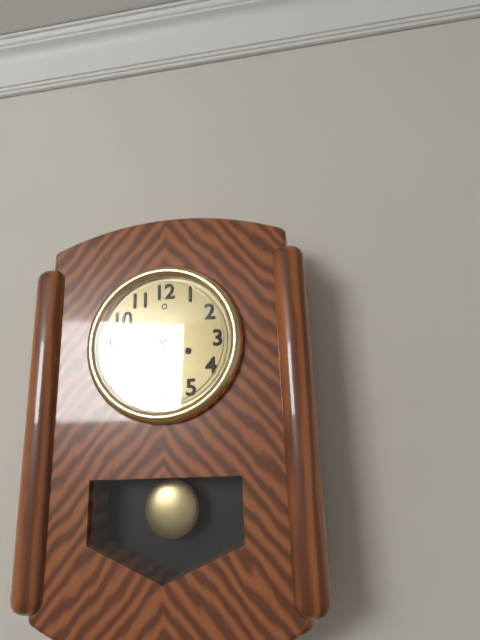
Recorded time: 6:49
